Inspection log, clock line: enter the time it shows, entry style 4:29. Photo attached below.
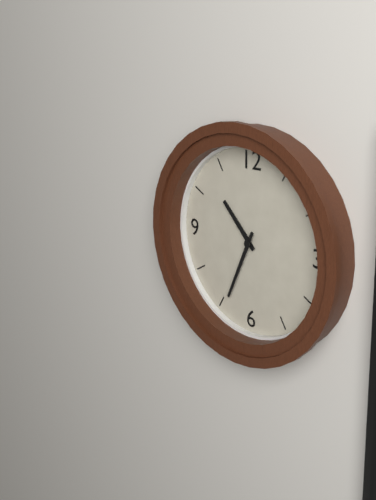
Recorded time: 10:34
